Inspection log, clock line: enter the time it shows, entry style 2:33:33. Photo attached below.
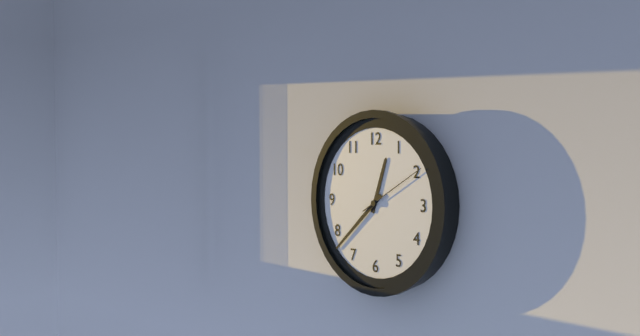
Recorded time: 12:38:10
